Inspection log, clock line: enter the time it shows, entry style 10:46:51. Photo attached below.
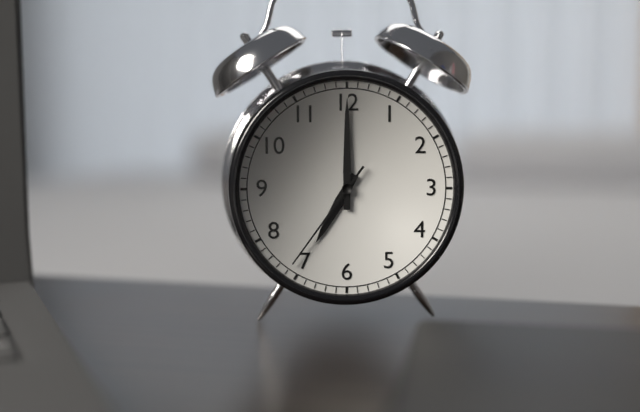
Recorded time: 7:00:36
